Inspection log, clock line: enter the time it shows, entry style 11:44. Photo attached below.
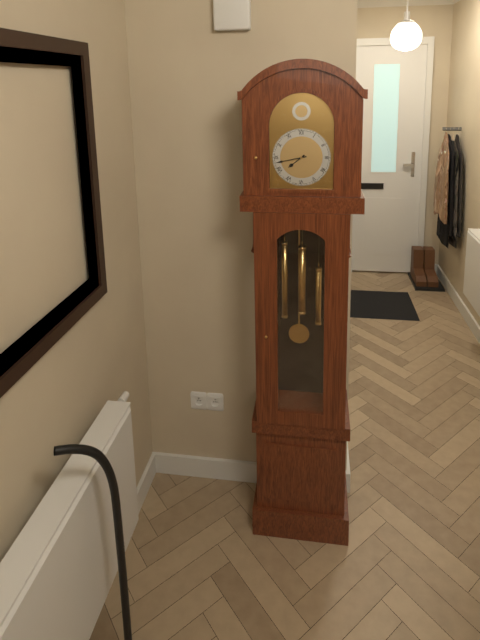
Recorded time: 7:43
